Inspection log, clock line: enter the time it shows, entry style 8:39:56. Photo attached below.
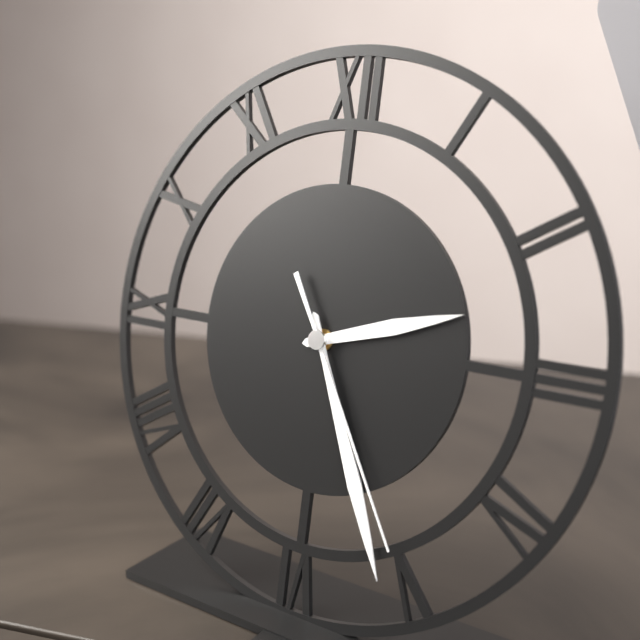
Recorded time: 2:26:25
